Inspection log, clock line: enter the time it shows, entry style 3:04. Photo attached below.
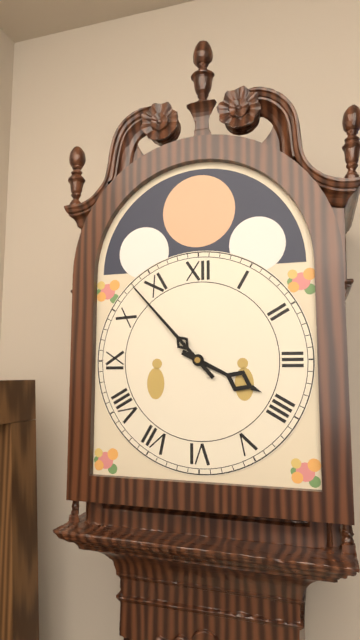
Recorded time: 3:53
